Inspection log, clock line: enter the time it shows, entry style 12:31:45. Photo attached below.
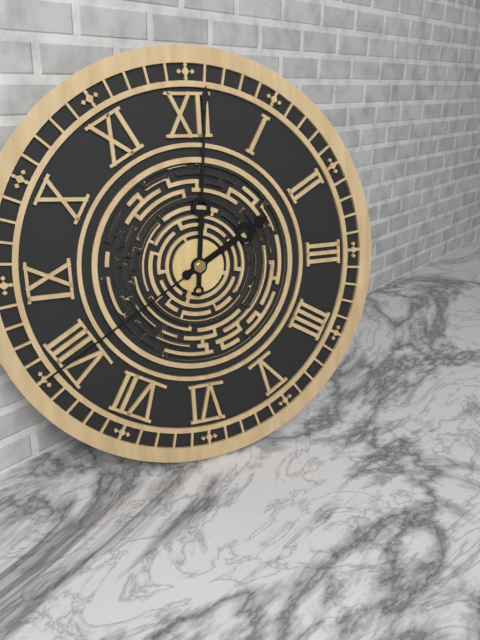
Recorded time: 2:01:40
